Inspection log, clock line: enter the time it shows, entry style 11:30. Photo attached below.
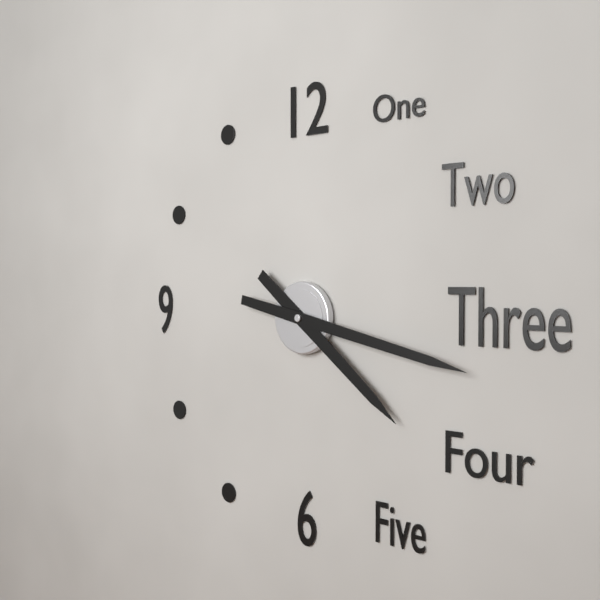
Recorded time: 4:17
